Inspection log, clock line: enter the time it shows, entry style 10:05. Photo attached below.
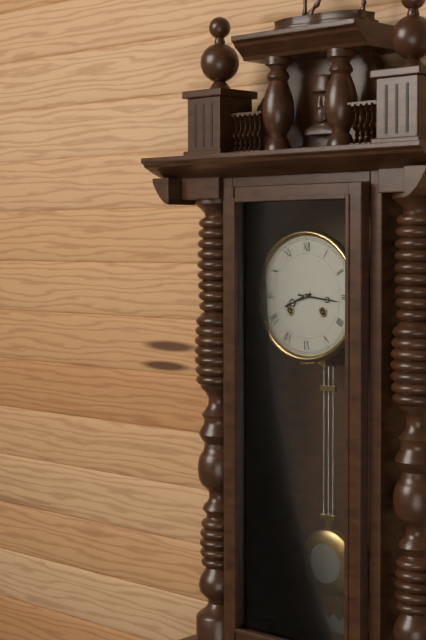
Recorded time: 8:16
